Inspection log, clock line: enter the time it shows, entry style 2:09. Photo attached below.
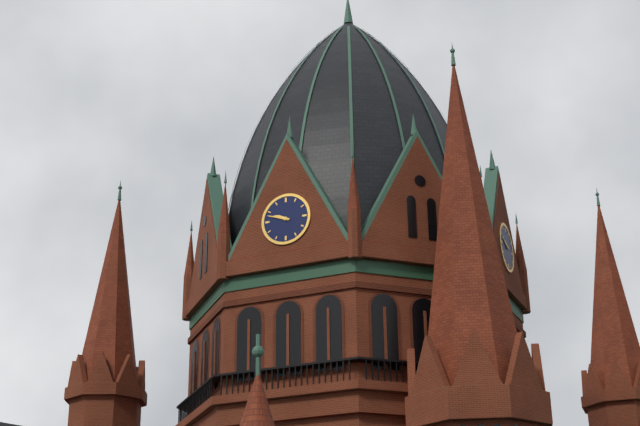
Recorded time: 9:48
